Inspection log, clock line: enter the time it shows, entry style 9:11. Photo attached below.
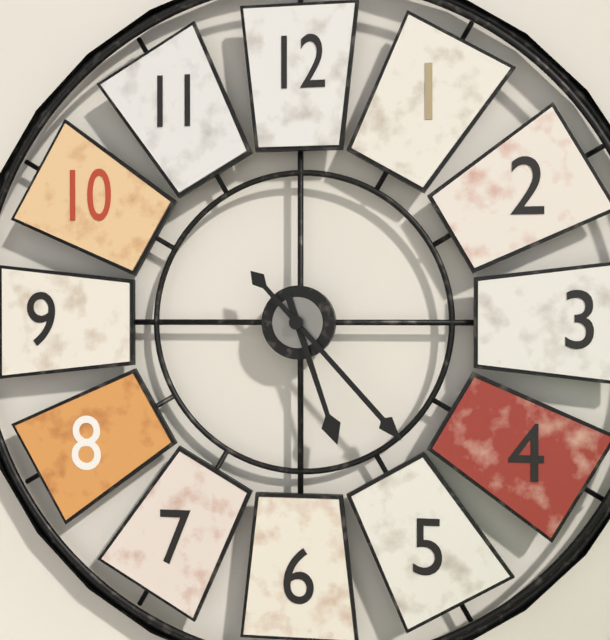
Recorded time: 5:23
